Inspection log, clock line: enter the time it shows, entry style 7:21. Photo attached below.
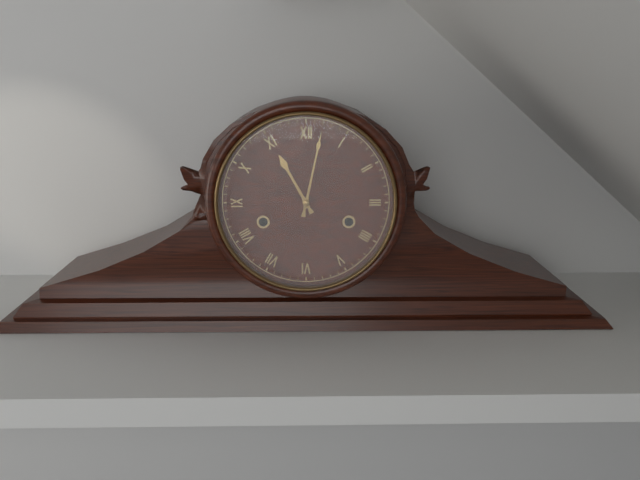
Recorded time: 11:02
